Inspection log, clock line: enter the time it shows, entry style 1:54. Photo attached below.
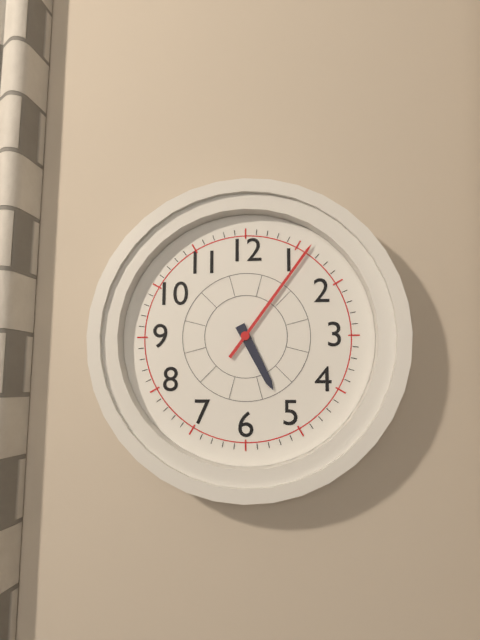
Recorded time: 5:06
